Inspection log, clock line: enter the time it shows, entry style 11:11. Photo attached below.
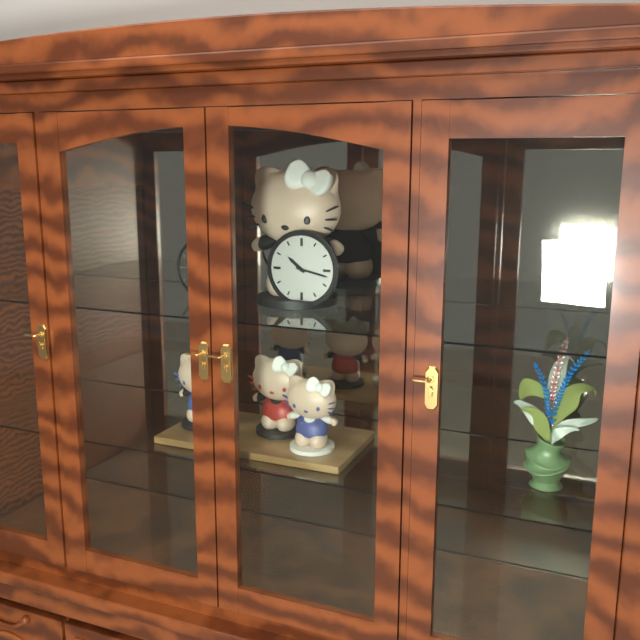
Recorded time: 10:17
